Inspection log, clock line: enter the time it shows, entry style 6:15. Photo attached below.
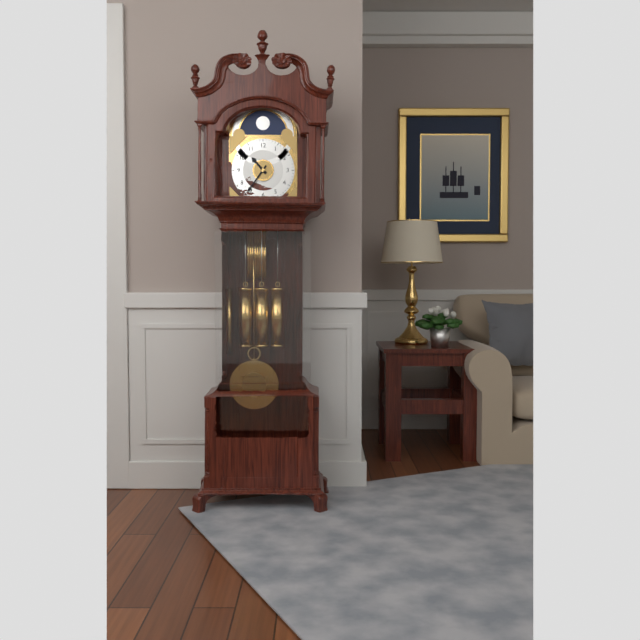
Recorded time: 10:36
